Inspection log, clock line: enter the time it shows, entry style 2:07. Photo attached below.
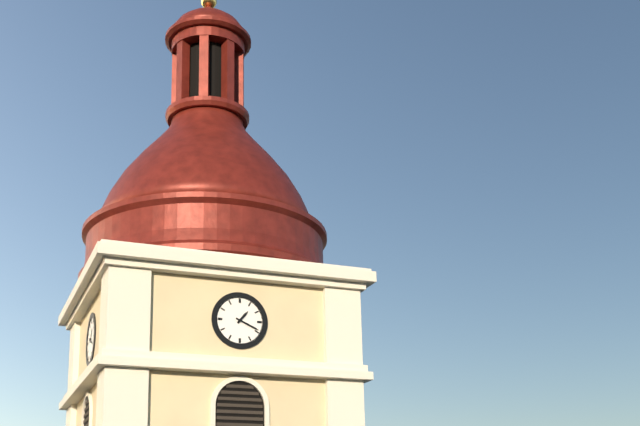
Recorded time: 1:19
